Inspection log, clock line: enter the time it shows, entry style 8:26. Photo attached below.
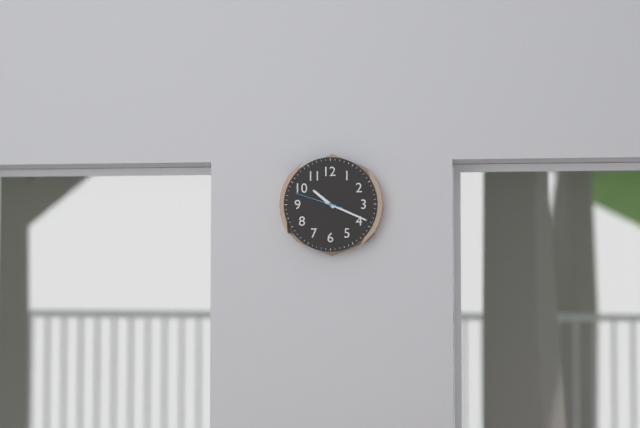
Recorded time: 10:19
